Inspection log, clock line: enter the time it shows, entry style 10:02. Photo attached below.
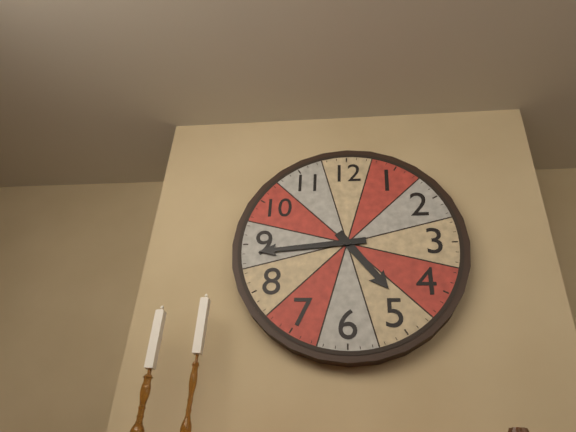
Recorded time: 4:44
